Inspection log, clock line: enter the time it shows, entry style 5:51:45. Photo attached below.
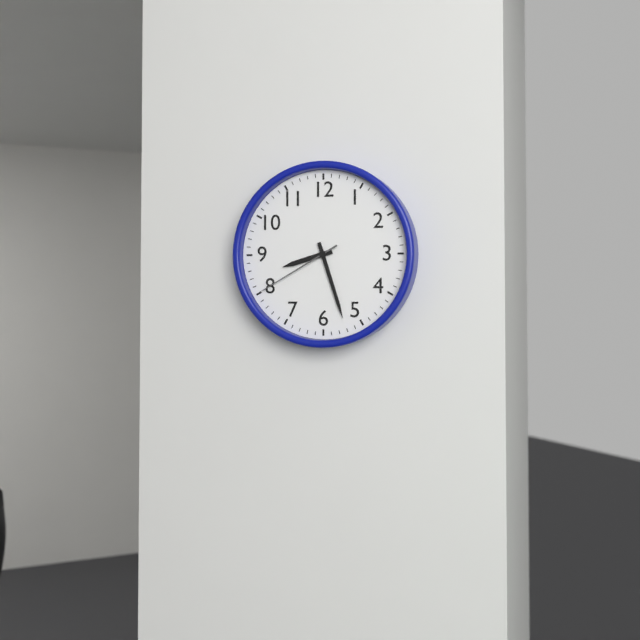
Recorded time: 8:27:40
